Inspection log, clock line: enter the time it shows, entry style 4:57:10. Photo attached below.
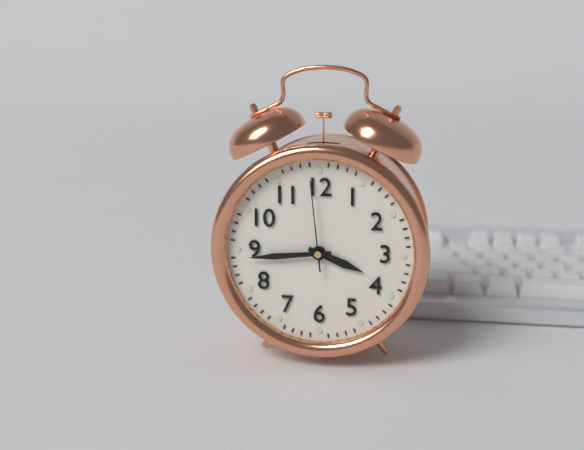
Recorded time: 3:44:59
